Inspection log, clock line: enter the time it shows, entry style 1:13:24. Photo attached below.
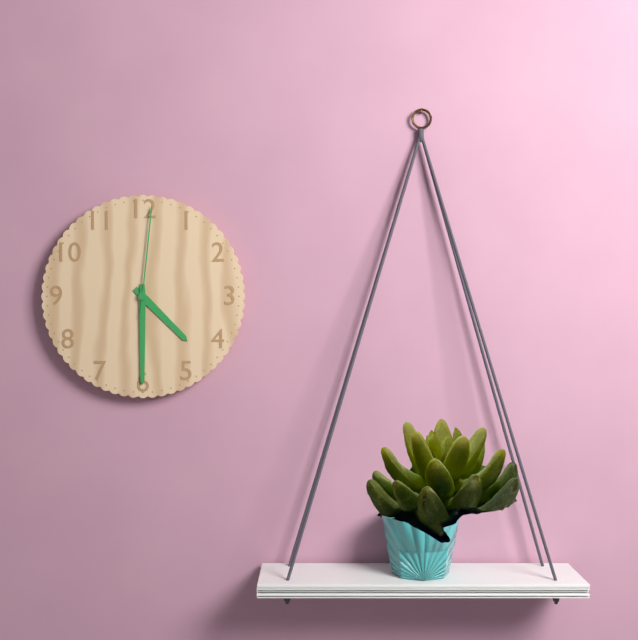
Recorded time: 4:30:01
